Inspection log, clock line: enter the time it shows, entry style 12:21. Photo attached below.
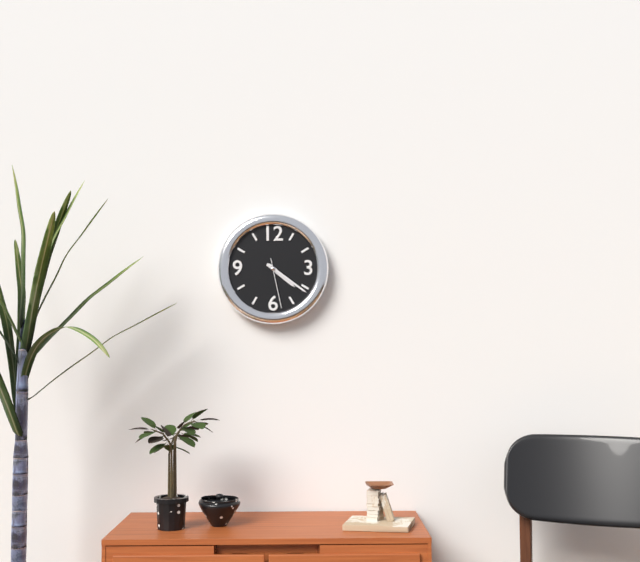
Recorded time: 4:21
